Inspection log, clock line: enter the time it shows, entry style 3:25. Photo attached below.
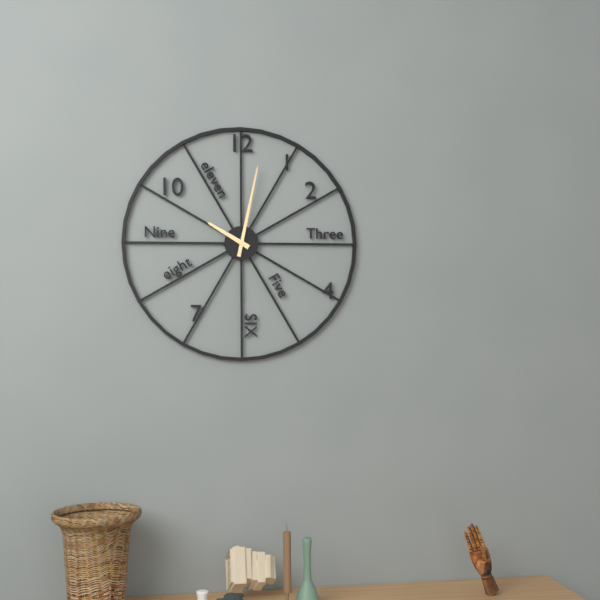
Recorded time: 10:02
